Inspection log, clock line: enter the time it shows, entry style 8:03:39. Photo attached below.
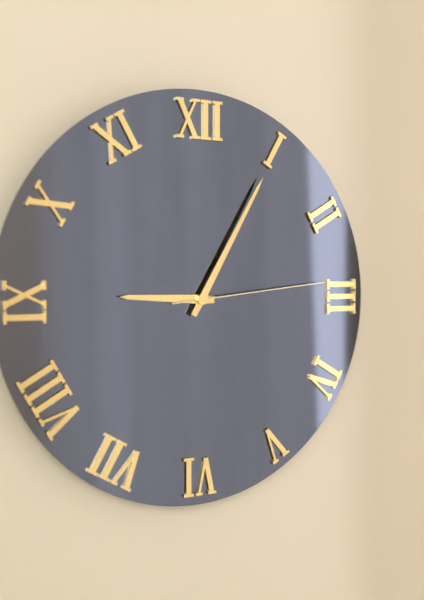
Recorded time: 9:05:14
